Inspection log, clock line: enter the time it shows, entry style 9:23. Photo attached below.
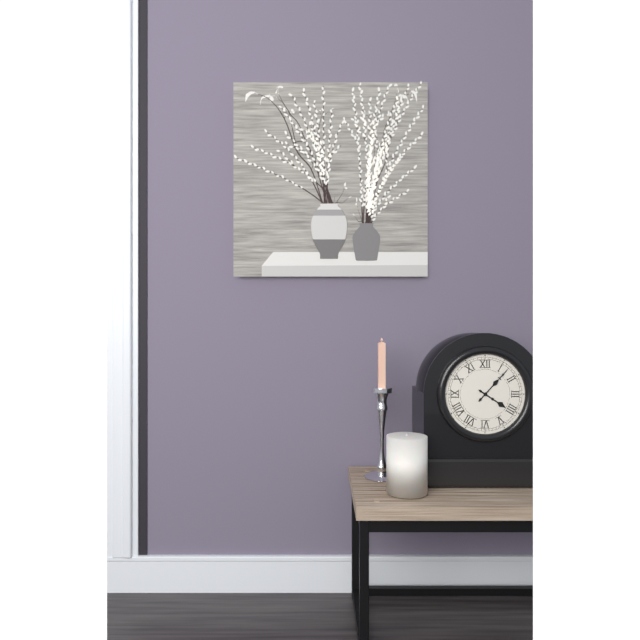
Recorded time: 4:07
